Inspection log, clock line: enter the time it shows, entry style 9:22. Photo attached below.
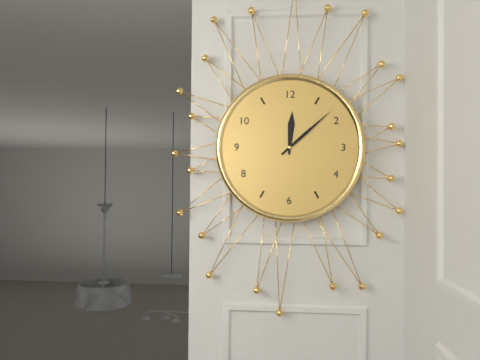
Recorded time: 12:08
